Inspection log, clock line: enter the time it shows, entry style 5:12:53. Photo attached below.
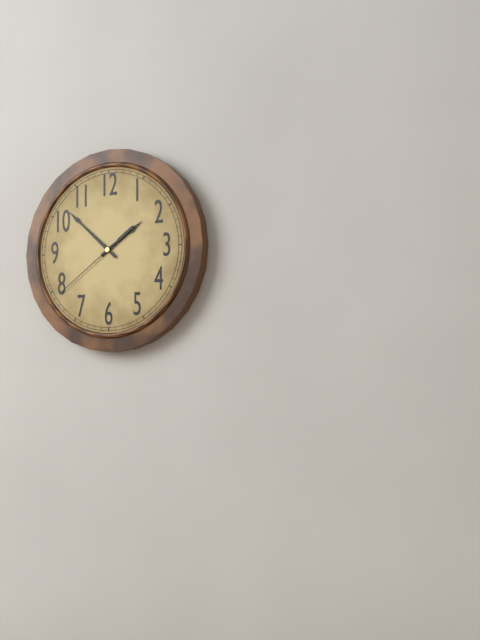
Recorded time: 1:52:39
